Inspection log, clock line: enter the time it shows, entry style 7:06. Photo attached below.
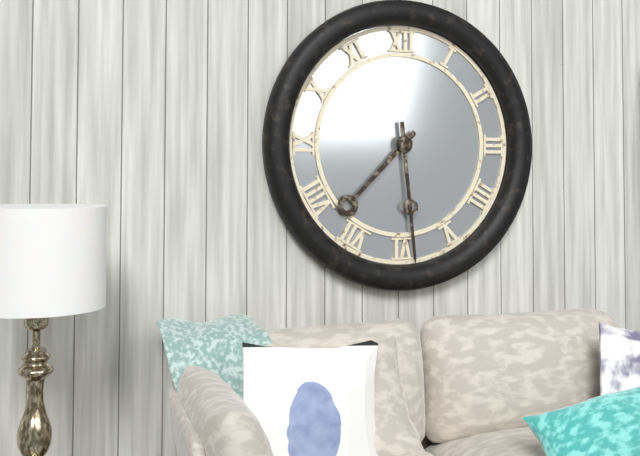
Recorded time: 7:29
